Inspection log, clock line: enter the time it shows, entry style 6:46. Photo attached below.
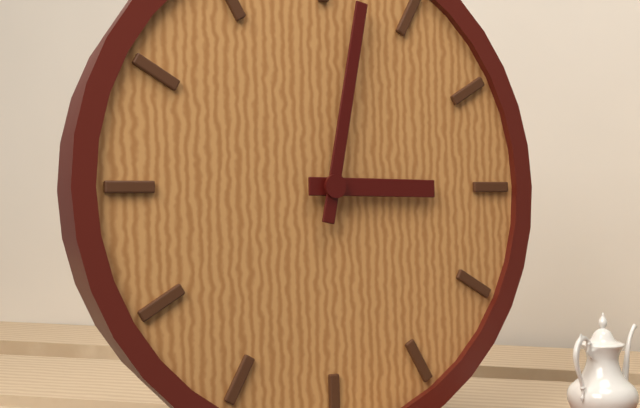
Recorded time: 3:02
